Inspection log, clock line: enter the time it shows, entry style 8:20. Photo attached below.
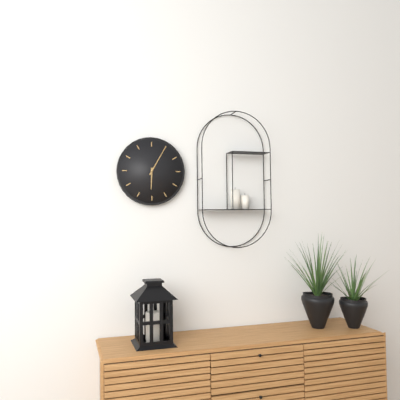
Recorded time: 6:05
